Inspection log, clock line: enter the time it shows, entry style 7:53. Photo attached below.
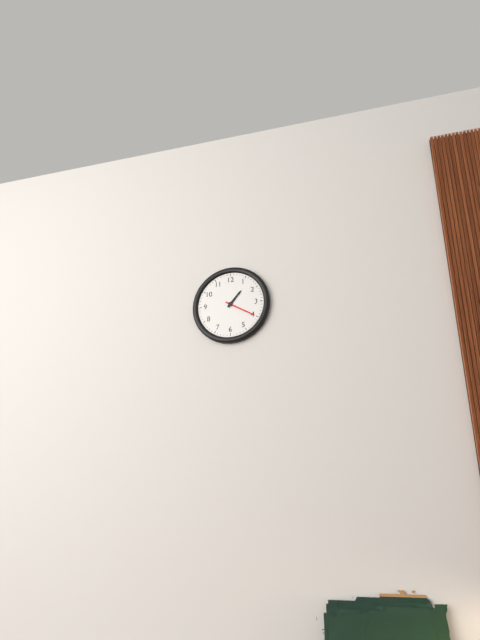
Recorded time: 1:20
